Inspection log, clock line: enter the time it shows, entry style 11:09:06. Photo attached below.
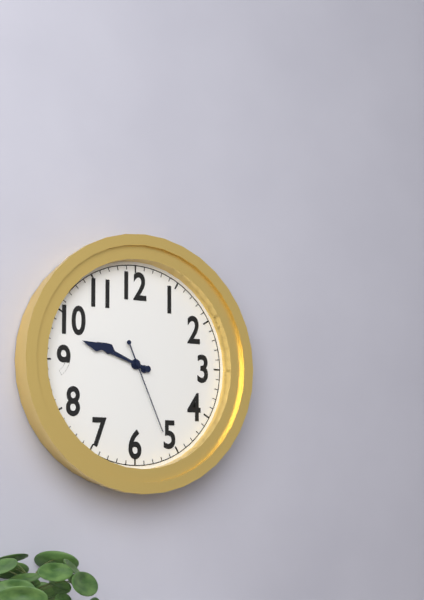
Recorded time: 9:48:26
